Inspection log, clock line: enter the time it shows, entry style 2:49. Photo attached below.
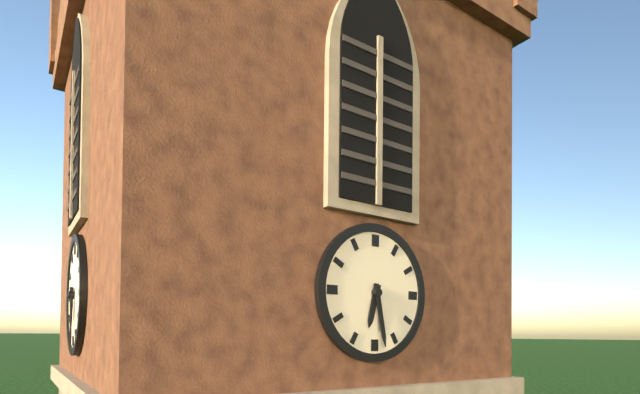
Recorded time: 6:28
